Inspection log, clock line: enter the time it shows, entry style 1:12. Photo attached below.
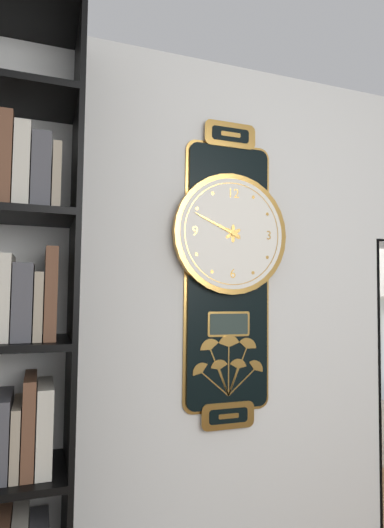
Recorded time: 9:49
